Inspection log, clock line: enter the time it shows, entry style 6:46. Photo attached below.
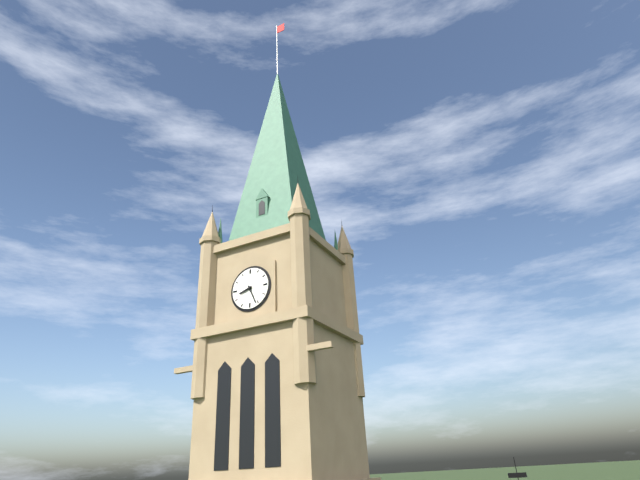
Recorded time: 8:26
